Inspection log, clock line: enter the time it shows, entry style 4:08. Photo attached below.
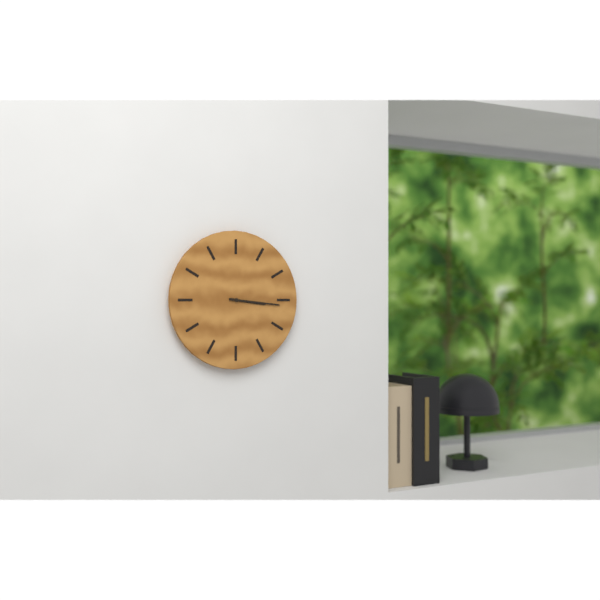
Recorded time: 3:16
